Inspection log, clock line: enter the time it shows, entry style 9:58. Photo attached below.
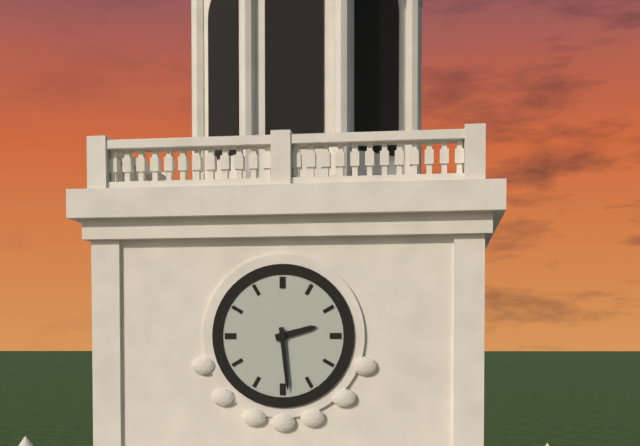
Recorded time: 2:29
